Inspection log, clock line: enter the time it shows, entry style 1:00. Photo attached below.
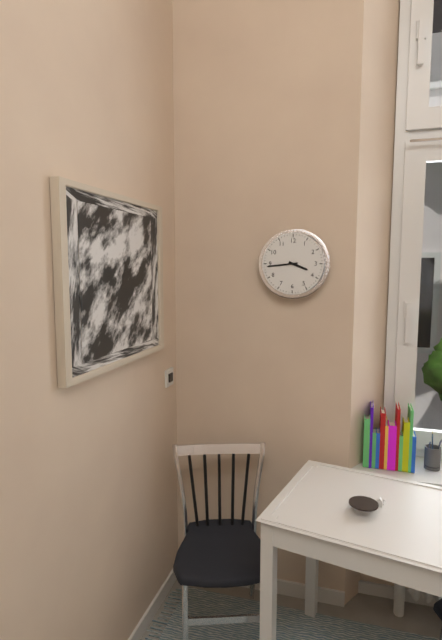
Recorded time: 3:44
